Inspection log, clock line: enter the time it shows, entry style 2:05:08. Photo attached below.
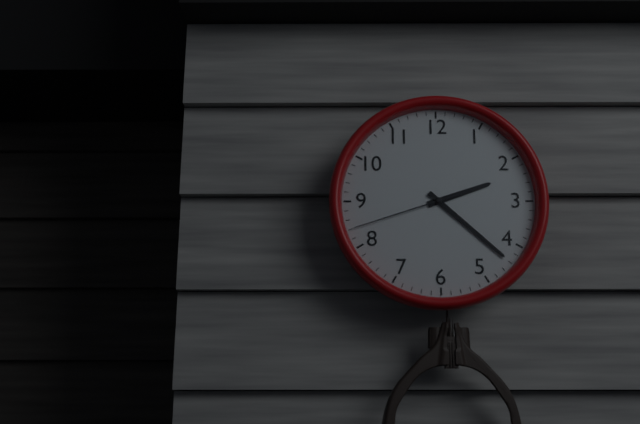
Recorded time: 2:22:42
